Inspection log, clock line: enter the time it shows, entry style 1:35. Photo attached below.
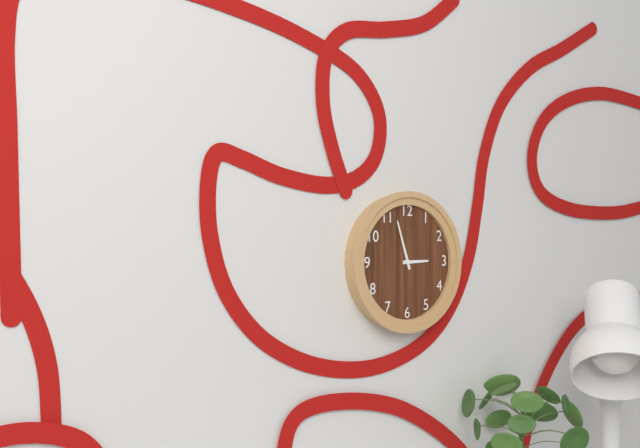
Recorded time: 2:57
